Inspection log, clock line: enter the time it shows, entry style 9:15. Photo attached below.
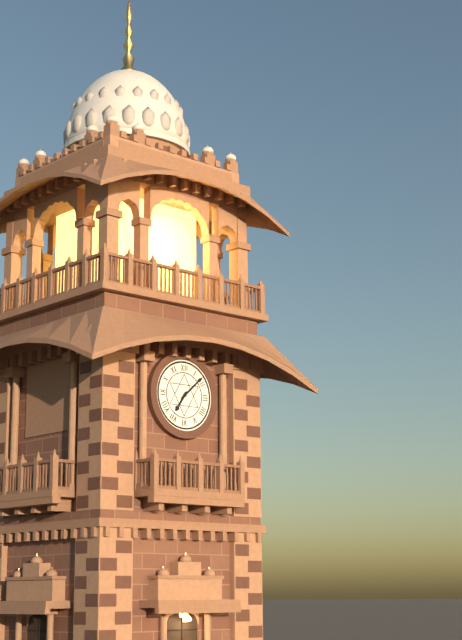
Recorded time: 7:08
